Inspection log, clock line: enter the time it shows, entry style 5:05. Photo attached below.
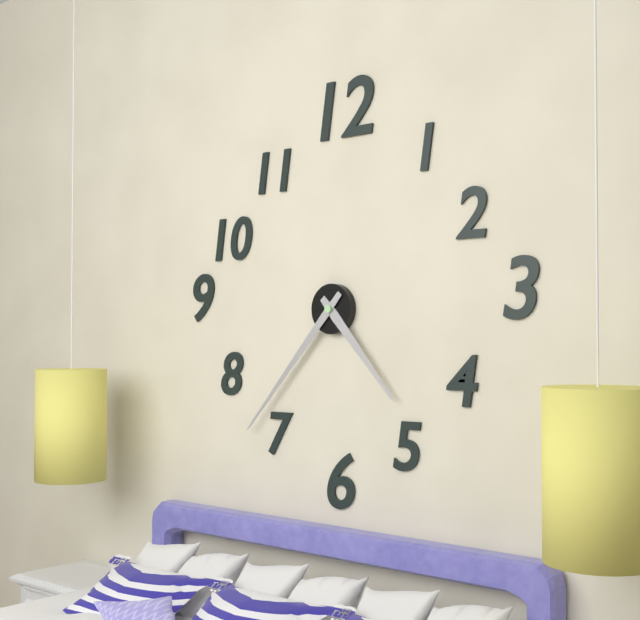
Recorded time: 4:37
